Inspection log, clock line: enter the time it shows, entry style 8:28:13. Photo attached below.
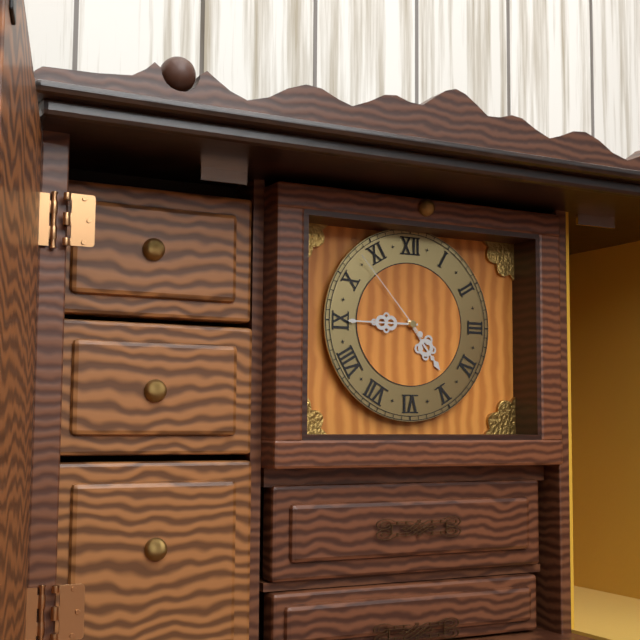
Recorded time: 4:45:53
